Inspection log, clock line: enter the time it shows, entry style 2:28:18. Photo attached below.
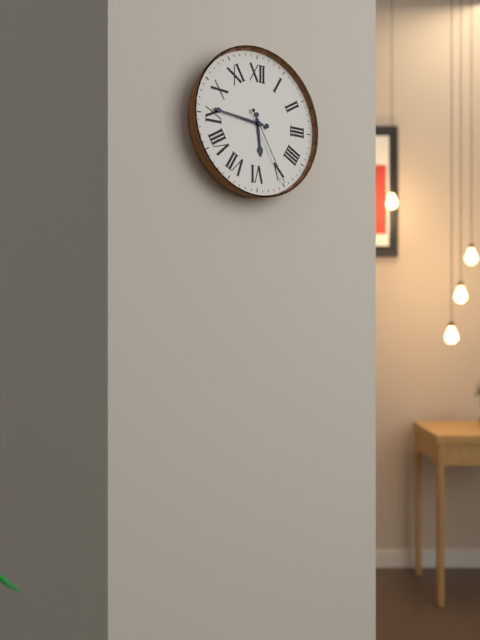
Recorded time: 5:46:25
